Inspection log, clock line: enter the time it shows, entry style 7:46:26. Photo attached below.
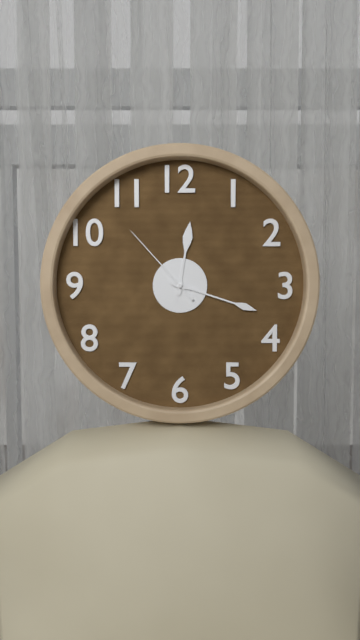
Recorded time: 12:18:53
